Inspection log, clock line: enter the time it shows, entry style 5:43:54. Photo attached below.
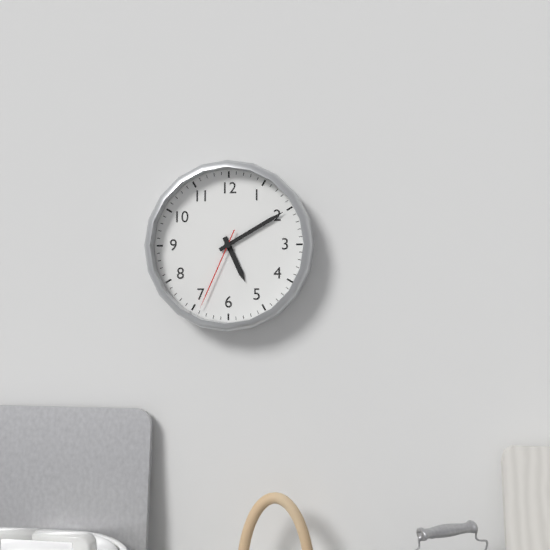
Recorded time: 5:10:34
